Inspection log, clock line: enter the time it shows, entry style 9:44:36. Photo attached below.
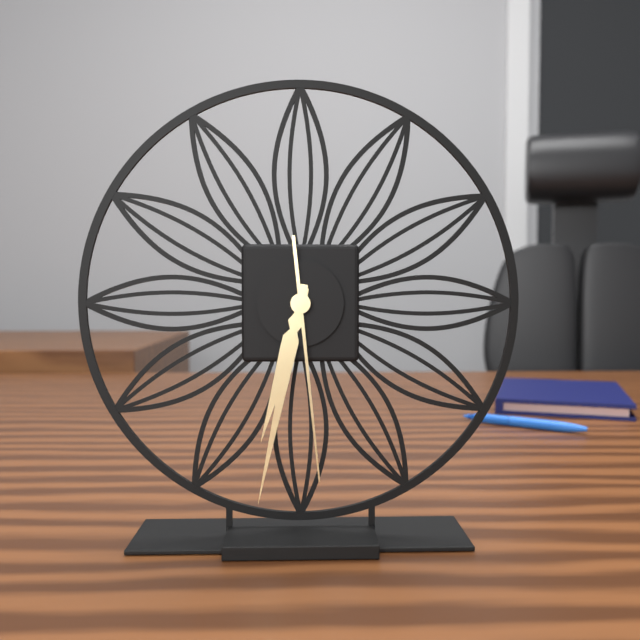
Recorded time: 6:32:29
